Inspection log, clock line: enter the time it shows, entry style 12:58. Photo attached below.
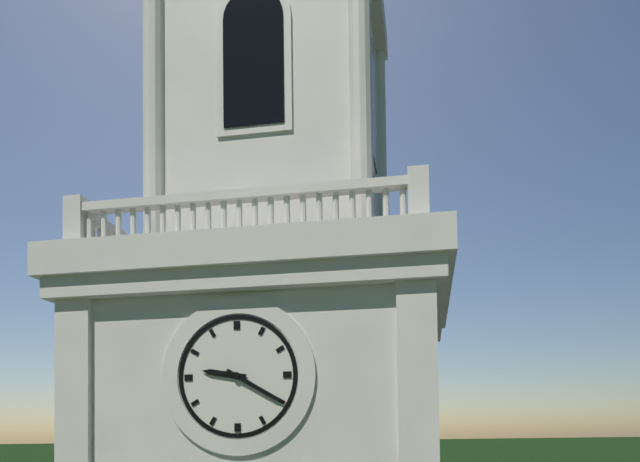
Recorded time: 9:20
